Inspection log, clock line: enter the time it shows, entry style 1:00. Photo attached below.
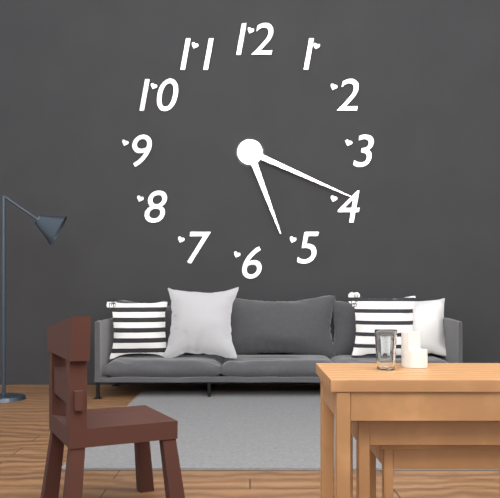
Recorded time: 5:19
